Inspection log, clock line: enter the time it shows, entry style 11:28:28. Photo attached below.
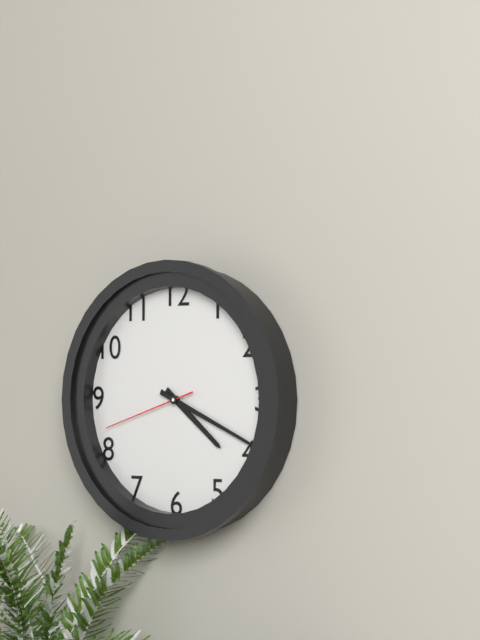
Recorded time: 4:19:42
